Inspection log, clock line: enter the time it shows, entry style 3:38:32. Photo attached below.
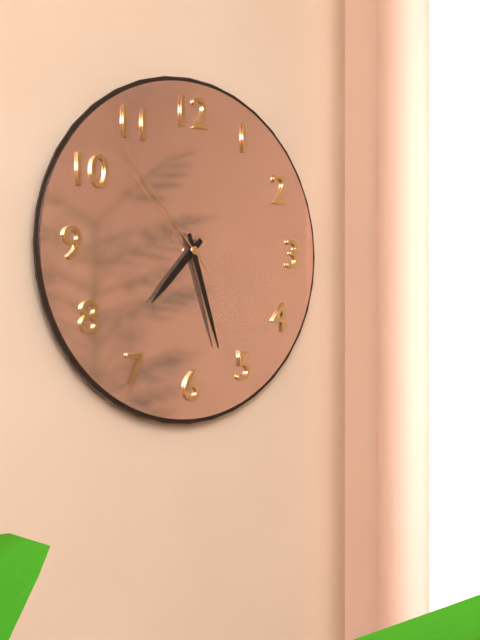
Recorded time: 7:27:53
